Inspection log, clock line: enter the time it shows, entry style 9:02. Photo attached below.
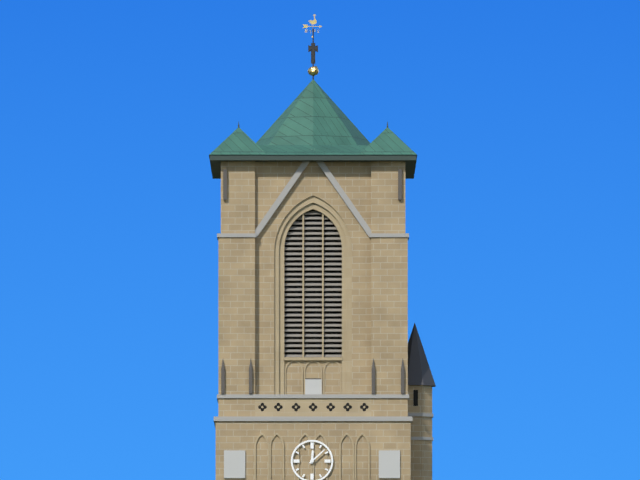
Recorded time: 12:08
